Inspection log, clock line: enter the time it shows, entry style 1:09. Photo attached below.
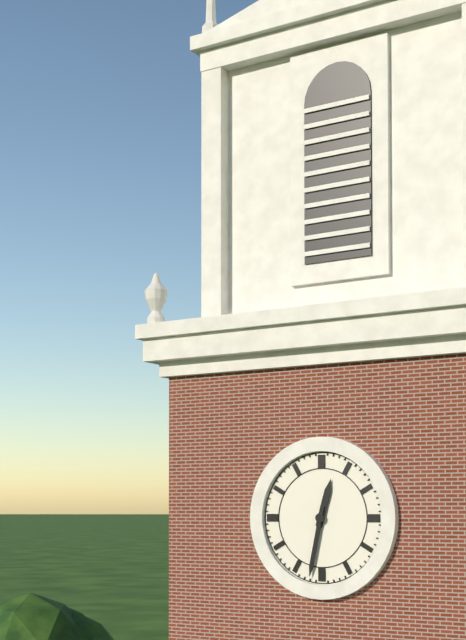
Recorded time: 12:32
